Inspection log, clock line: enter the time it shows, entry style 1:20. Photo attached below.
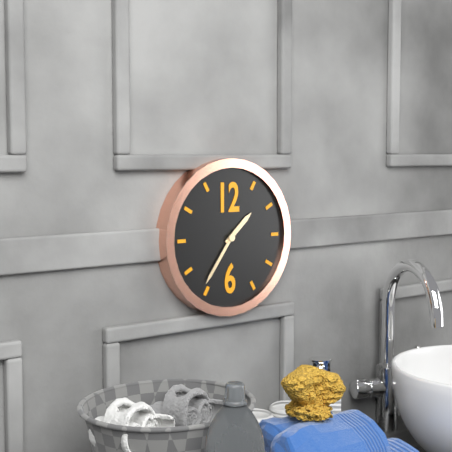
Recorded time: 1:36
